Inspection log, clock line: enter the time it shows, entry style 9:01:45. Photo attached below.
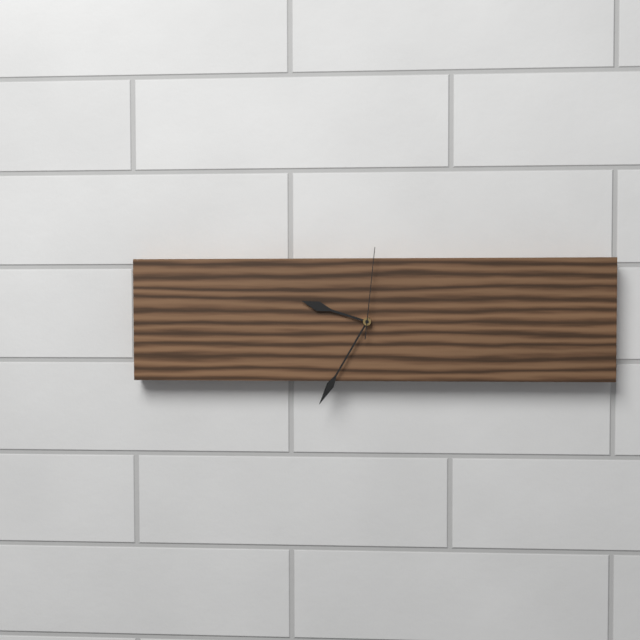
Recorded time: 9:35:01
